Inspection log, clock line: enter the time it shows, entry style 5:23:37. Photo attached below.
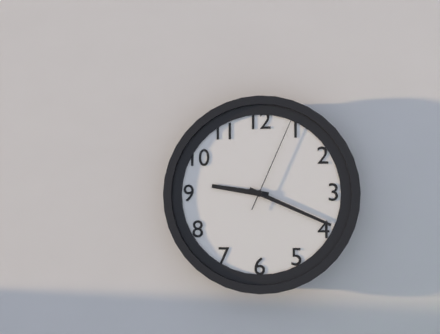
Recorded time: 9:19:04
